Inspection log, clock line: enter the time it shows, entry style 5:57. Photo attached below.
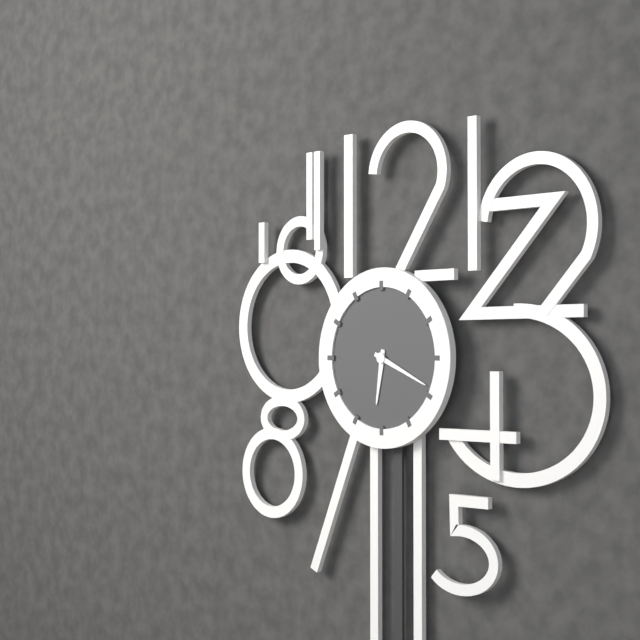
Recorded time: 6:19
